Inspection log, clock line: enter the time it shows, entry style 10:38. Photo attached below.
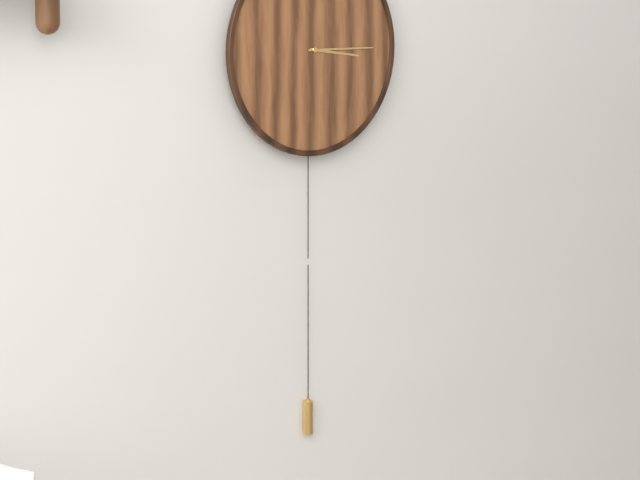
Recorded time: 3:15
